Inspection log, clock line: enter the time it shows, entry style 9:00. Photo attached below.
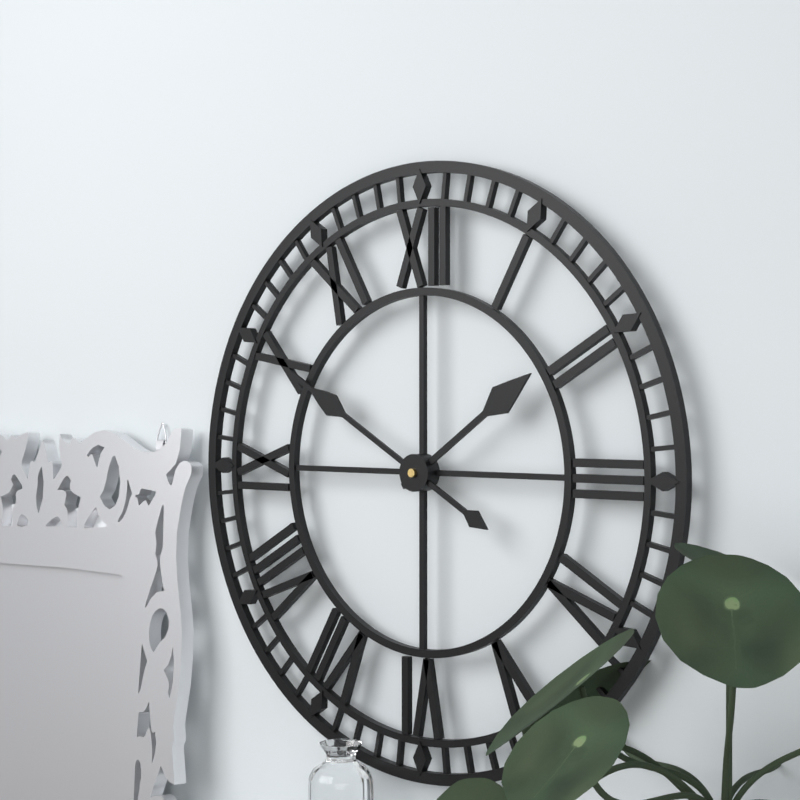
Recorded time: 1:50
